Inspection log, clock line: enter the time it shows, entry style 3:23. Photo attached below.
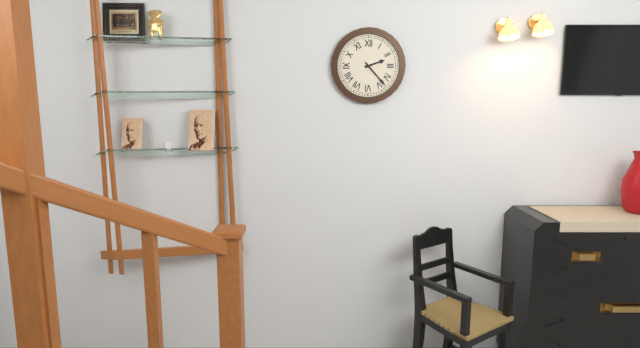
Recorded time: 2:23
